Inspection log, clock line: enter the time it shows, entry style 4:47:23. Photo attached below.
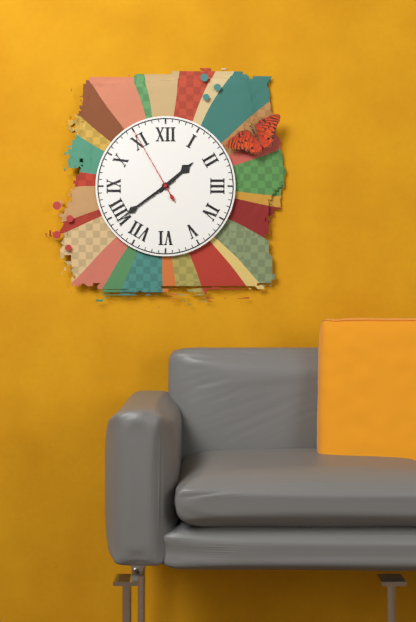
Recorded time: 1:39:55
